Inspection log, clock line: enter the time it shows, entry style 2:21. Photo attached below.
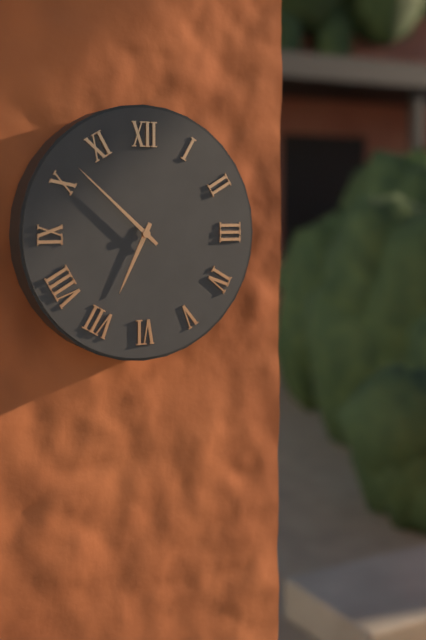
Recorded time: 6:52
